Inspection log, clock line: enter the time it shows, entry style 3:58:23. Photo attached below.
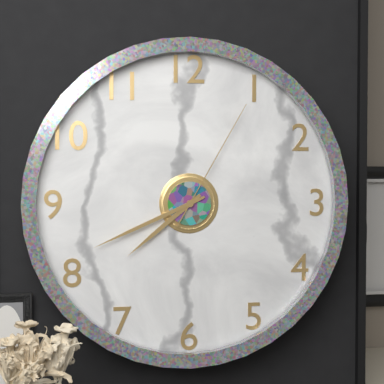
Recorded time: 7:41:05
